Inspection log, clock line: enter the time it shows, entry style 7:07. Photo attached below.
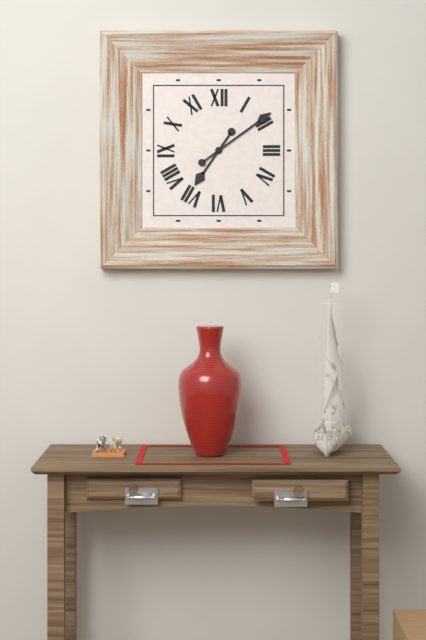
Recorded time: 7:09
